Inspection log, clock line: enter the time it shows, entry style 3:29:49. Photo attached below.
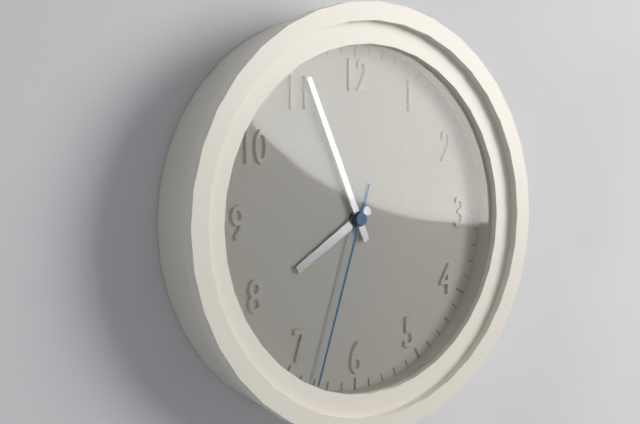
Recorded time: 7:56:33
